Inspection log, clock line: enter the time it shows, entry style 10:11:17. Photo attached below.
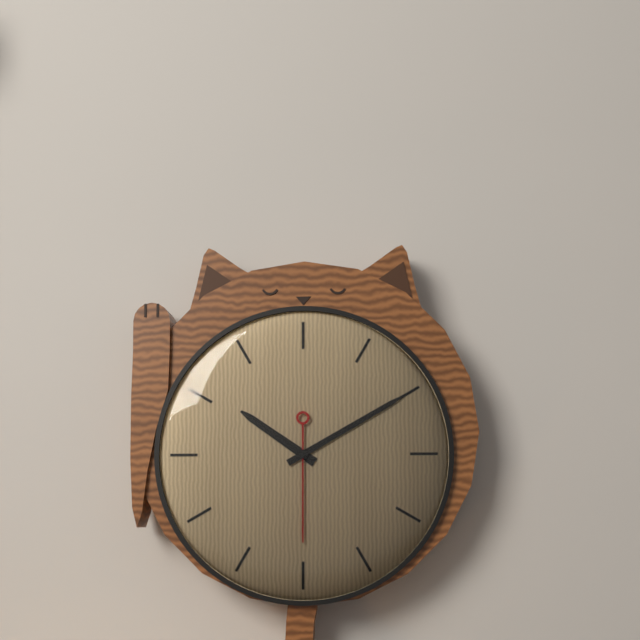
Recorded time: 10:10:30
